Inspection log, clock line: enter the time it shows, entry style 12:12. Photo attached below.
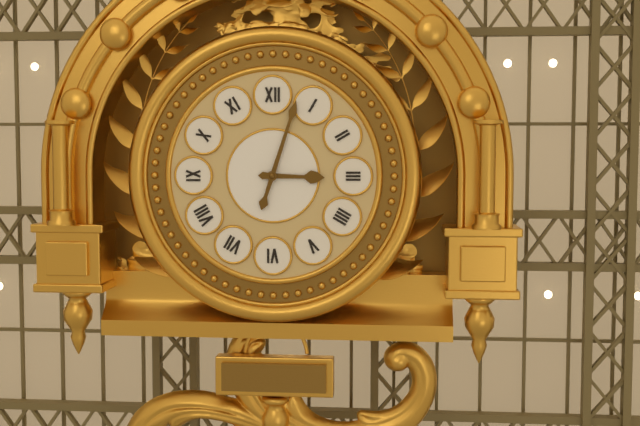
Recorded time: 3:03
